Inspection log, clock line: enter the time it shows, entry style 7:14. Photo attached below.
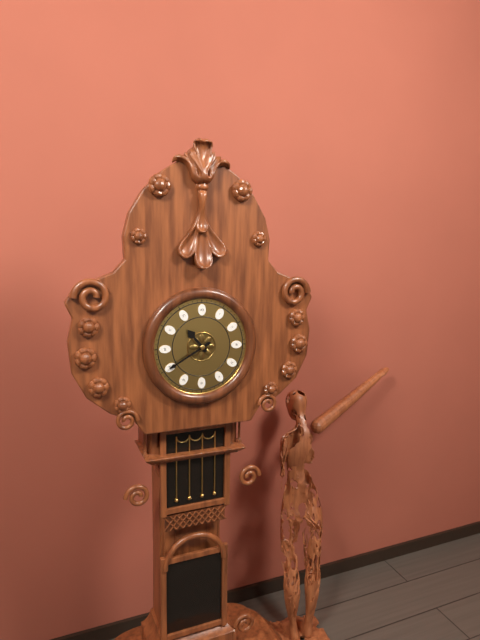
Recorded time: 10:40
